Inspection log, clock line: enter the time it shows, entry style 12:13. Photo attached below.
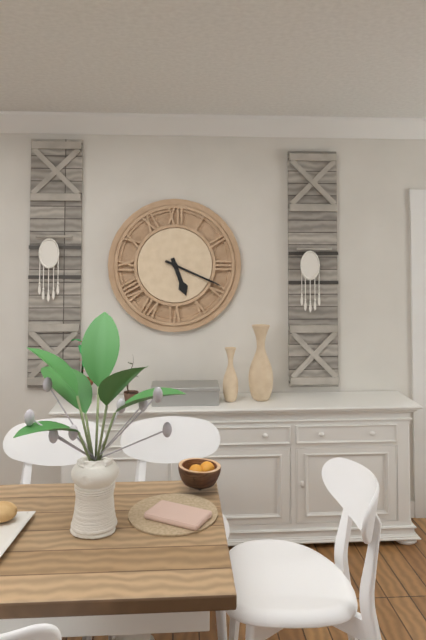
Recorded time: 5:19
